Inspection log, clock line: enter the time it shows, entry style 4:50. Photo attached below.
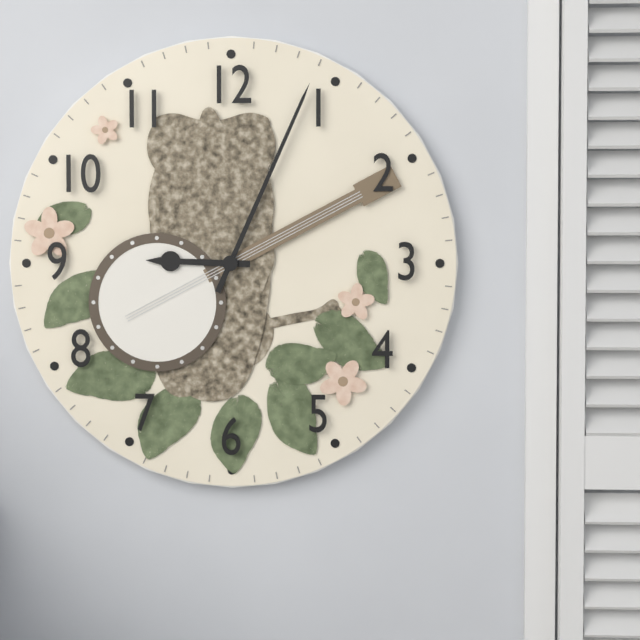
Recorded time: 9:04
